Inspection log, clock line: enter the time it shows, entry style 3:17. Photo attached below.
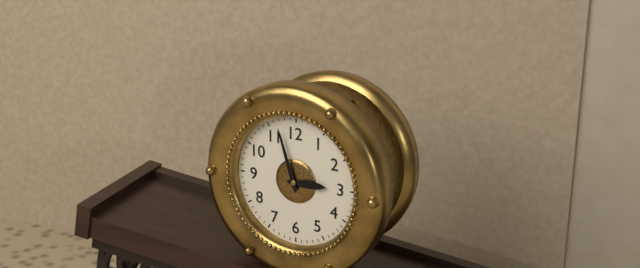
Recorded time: 2:57
